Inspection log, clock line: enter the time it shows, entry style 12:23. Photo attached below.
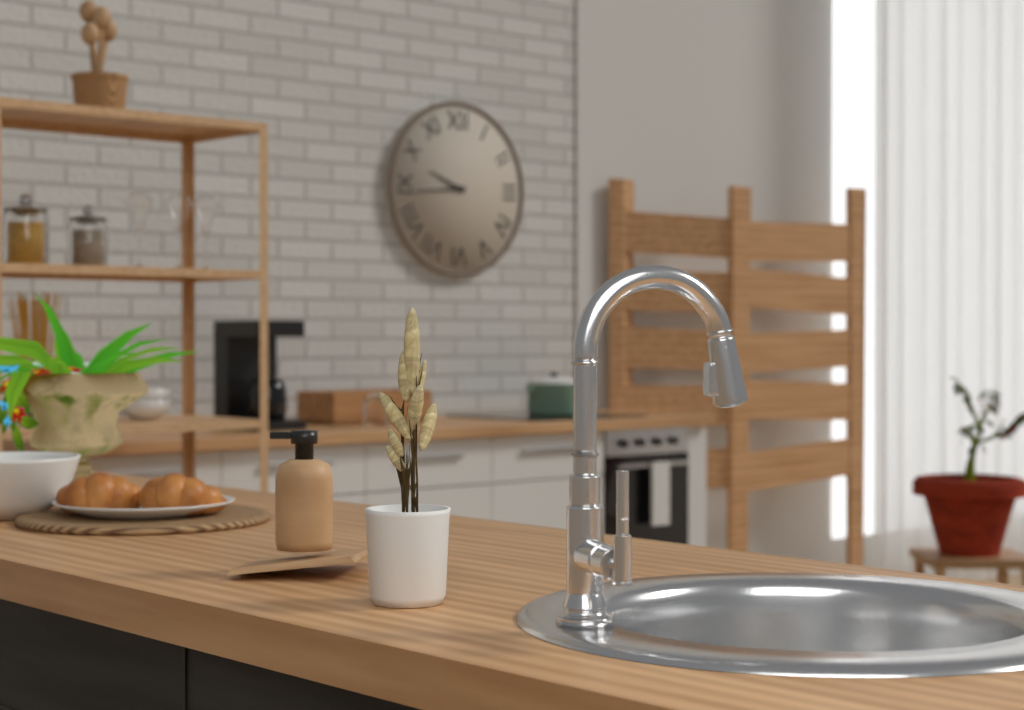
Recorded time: 9:44
